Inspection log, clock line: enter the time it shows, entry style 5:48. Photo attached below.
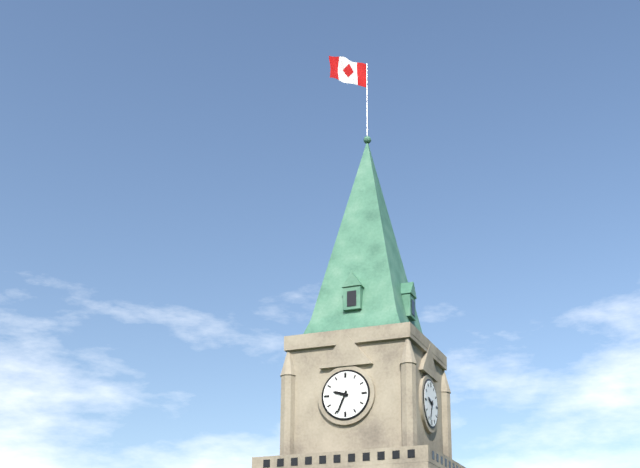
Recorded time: 9:34
